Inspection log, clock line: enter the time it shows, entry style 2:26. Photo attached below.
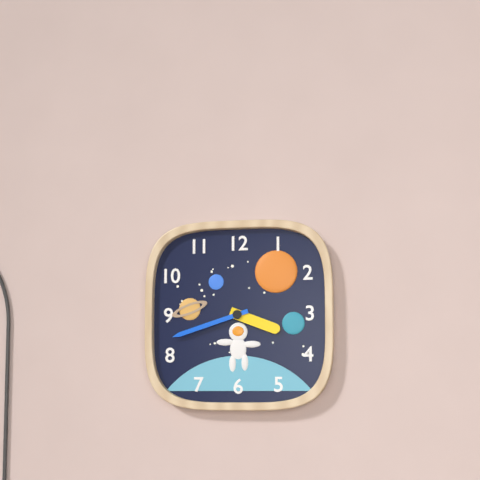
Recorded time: 3:42
